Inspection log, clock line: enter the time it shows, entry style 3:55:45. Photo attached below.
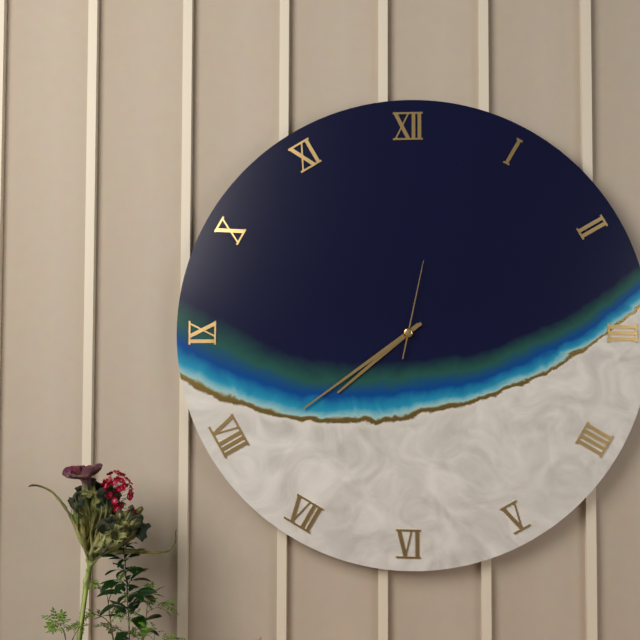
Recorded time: 7:39:02
